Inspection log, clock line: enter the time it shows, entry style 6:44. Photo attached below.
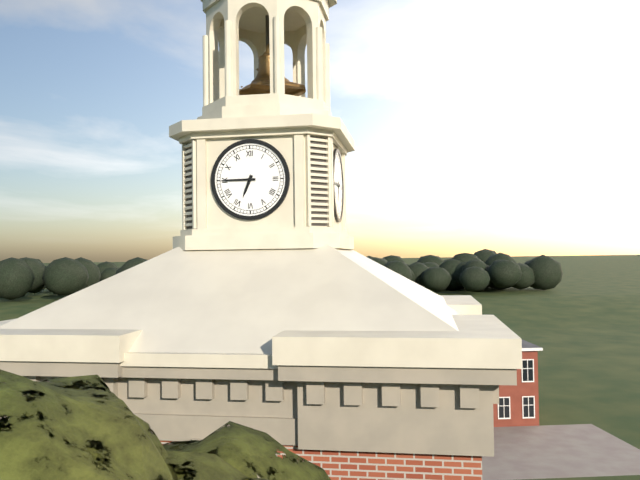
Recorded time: 6:45
